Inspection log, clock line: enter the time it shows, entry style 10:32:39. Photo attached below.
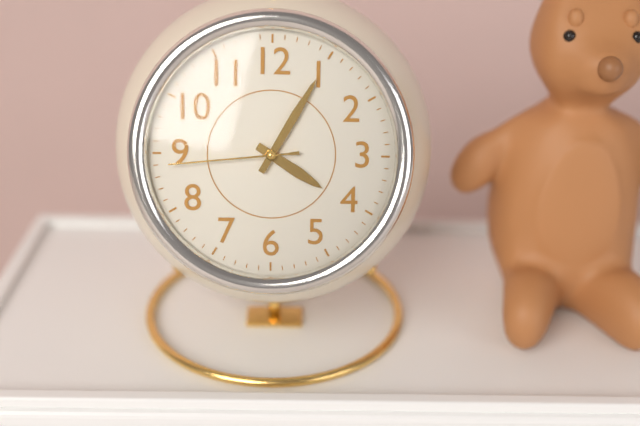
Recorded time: 4:05:44
